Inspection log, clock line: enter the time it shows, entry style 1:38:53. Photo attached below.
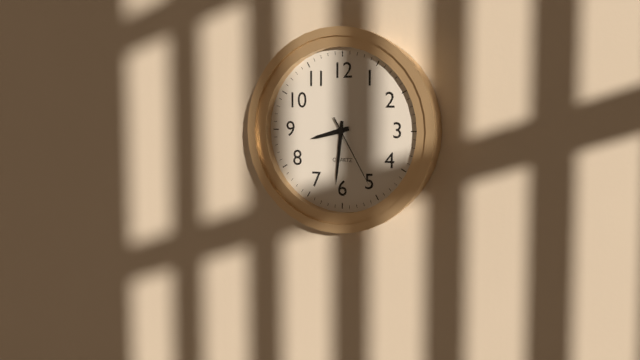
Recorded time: 8:31:25
